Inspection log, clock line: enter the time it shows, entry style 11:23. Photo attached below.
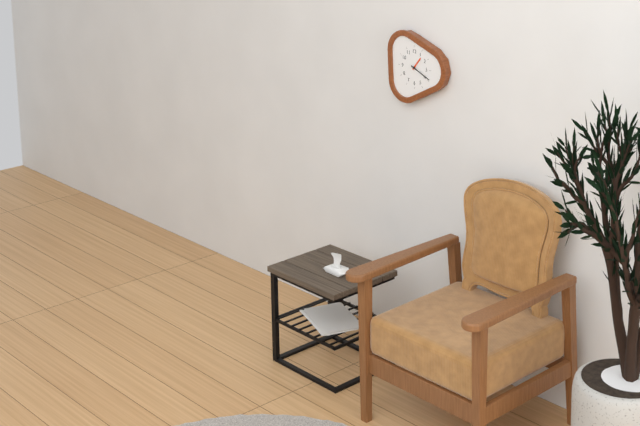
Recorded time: 1:19
